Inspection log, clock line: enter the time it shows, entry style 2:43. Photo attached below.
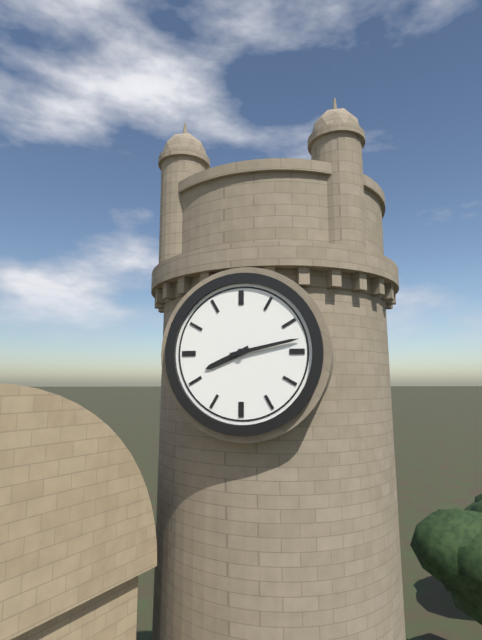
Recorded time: 8:13
